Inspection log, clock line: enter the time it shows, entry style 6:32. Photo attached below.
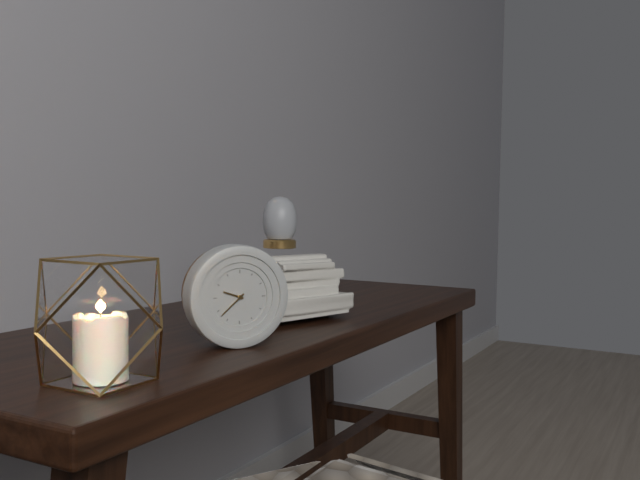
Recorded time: 9:38
